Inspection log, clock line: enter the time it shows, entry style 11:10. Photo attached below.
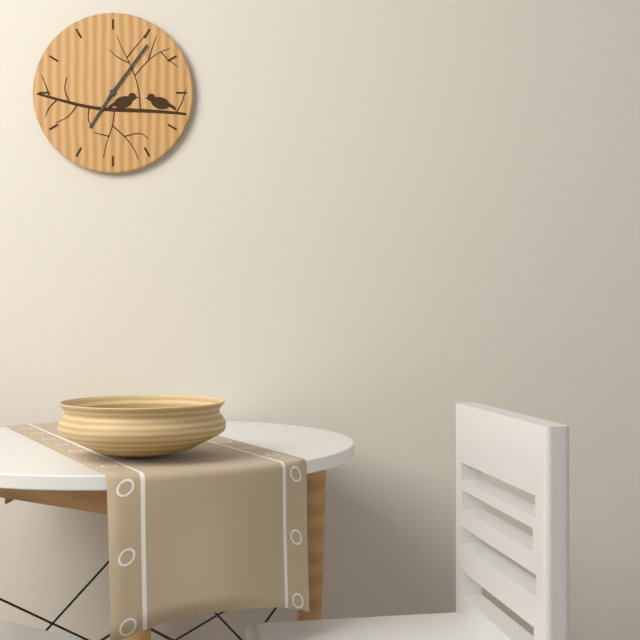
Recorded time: 7:06
